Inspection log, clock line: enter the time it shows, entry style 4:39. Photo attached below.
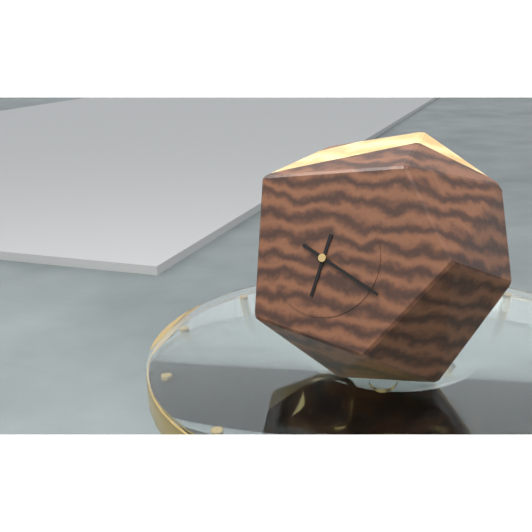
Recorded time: 6:19
